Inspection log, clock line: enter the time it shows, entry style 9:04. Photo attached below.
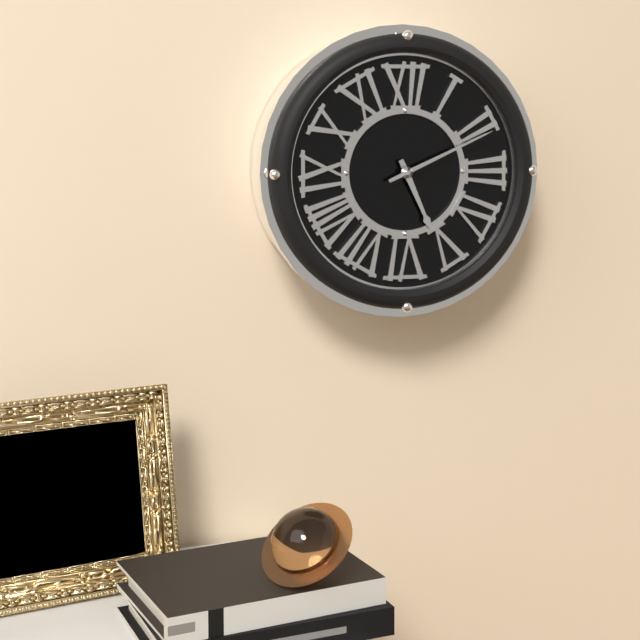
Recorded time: 5:11
